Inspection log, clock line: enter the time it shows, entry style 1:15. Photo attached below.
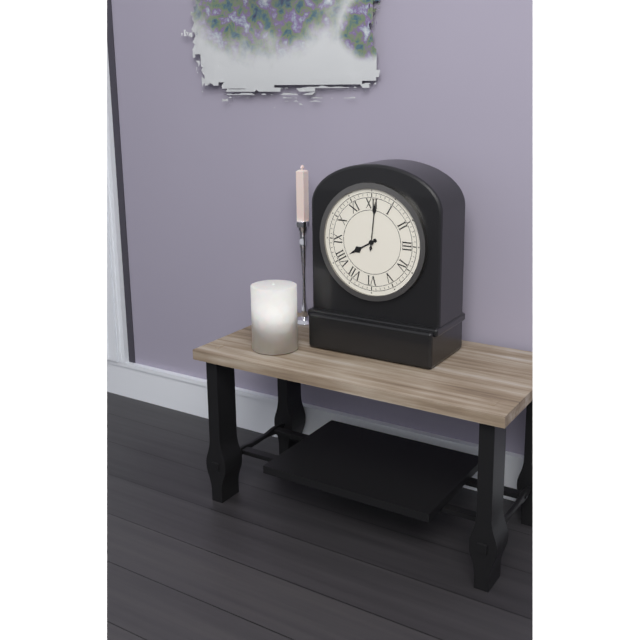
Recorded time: 8:01
